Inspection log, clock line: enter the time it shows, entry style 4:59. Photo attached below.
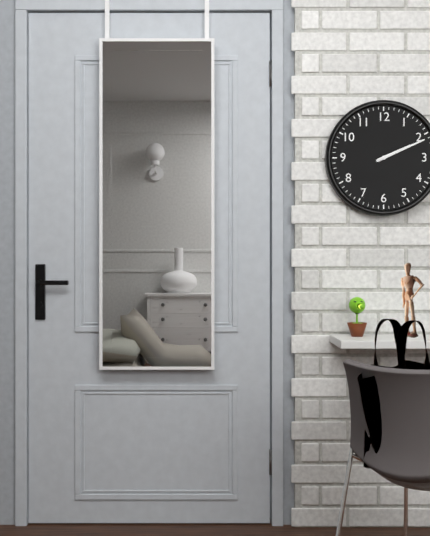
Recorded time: 2:11
